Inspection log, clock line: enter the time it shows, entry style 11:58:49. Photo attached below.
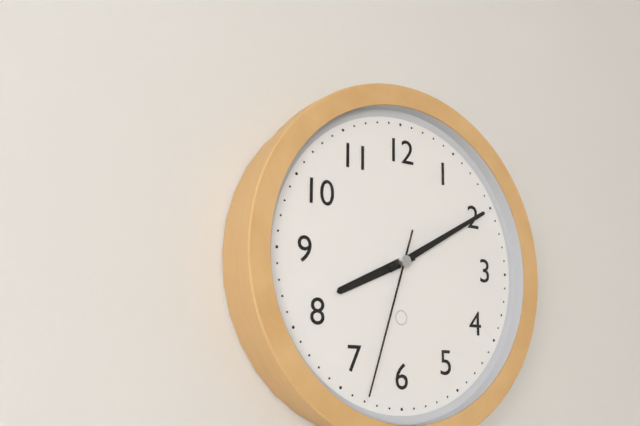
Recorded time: 8:10:33
